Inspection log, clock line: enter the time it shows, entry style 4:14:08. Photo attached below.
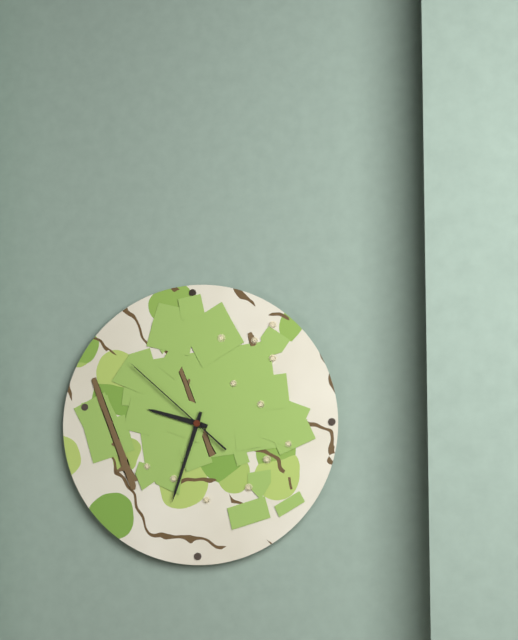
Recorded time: 9:33:52
